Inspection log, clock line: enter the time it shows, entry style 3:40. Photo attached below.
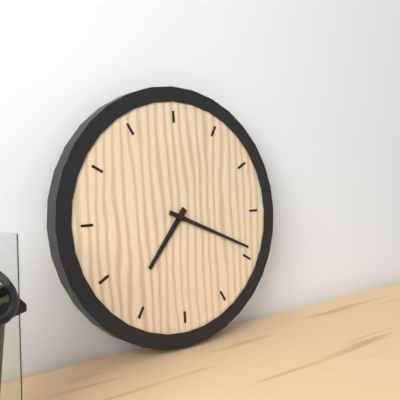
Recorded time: 7:19
